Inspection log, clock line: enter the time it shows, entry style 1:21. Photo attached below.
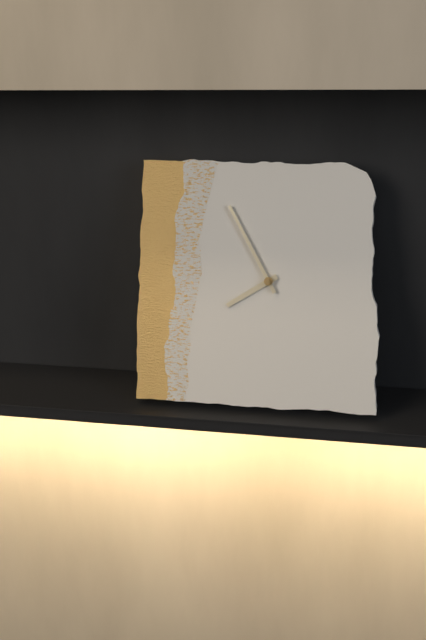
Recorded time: 7:55
